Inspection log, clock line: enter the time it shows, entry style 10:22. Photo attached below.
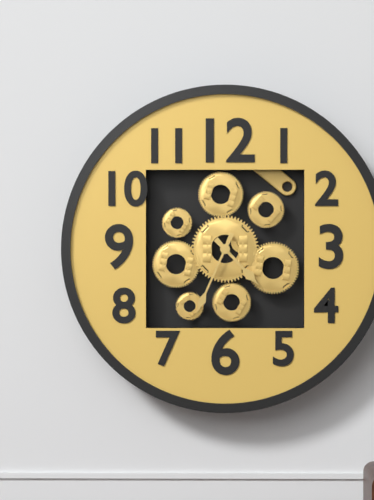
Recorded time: 4:34
